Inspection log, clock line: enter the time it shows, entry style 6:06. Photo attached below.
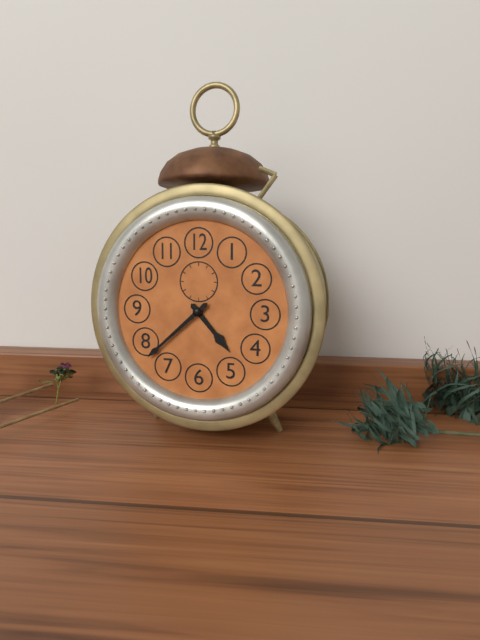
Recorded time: 4:38
